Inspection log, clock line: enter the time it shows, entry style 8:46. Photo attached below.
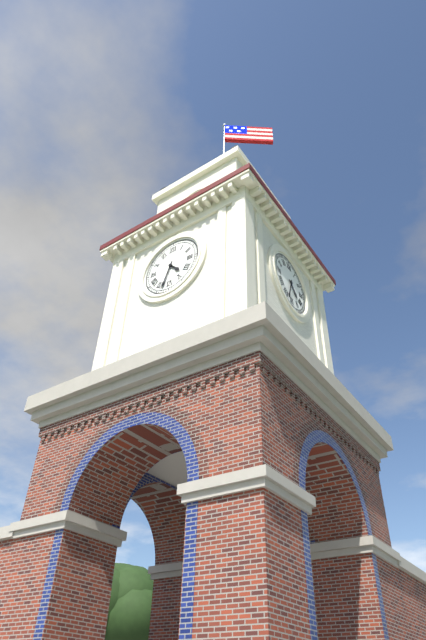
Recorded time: 4:33
